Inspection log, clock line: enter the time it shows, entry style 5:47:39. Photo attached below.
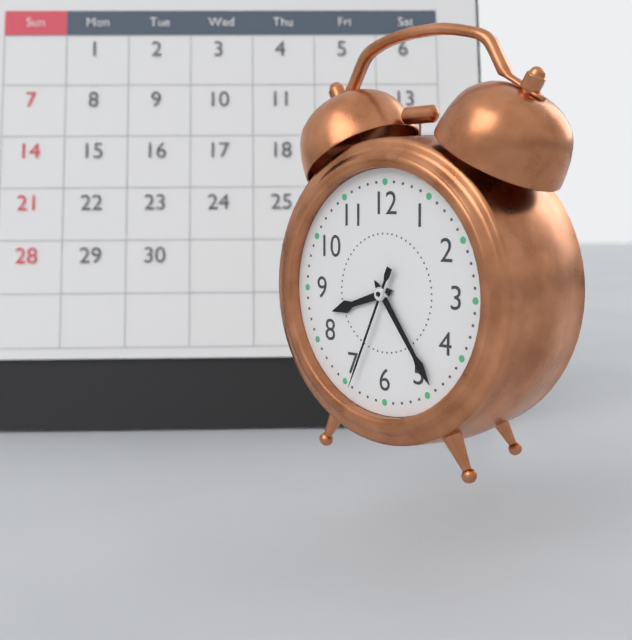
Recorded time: 8:24:34
